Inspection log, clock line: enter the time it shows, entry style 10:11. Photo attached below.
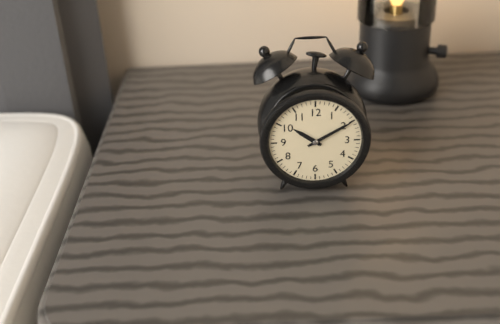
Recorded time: 10:10
